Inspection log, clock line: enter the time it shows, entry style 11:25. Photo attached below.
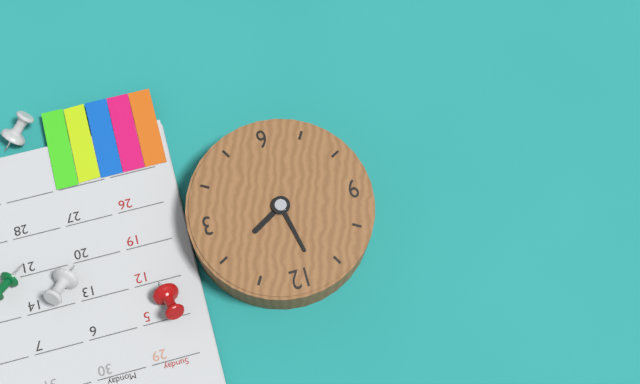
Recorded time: 1:58
